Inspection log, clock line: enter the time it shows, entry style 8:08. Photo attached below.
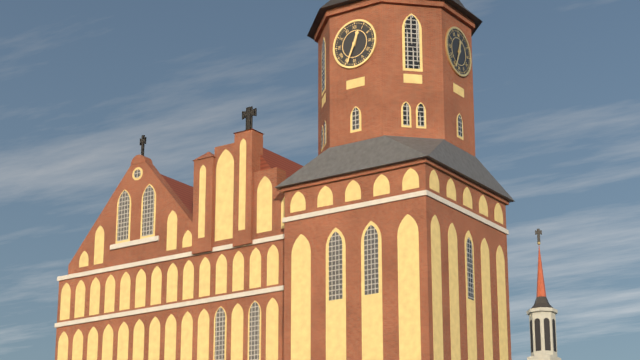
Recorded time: 12:34
